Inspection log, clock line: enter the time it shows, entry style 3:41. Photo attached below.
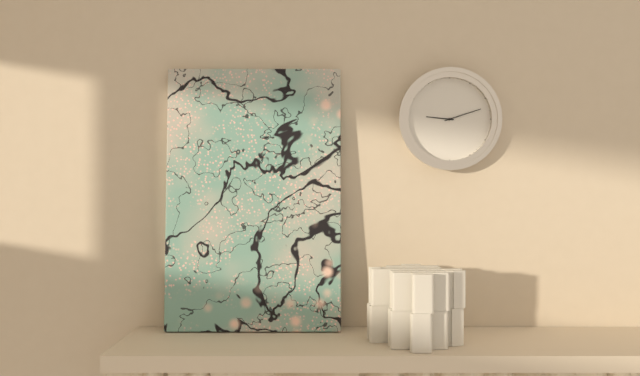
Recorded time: 9:12
